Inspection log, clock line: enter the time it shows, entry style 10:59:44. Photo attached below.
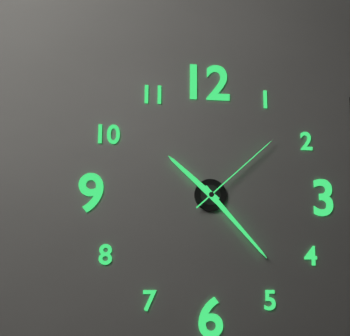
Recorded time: 10:23:08
